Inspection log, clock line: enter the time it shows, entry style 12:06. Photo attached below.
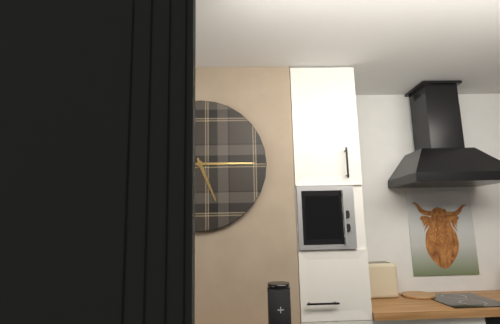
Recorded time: 5:15
